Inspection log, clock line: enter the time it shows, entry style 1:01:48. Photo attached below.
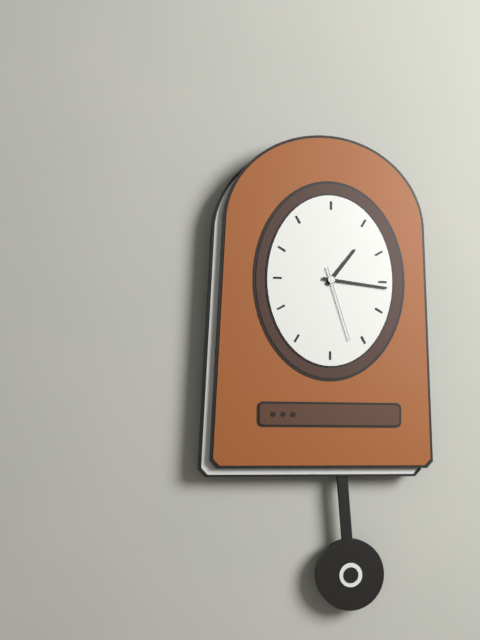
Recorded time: 1:16:27
